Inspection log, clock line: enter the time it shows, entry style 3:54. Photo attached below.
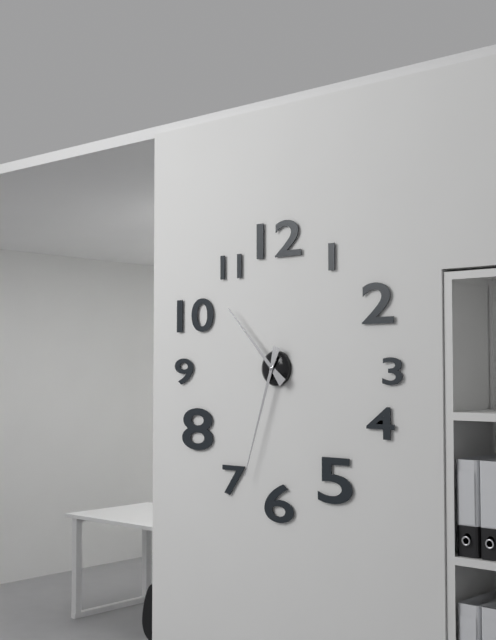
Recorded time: 10:33
